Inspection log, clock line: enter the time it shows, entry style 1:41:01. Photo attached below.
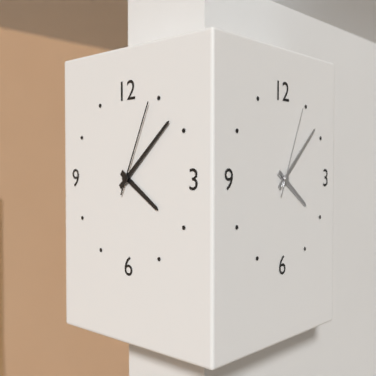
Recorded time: 4:08:04
